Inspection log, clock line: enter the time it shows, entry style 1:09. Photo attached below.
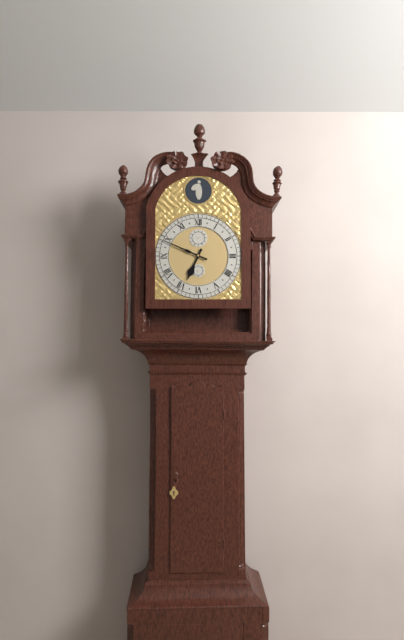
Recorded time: 6:49
